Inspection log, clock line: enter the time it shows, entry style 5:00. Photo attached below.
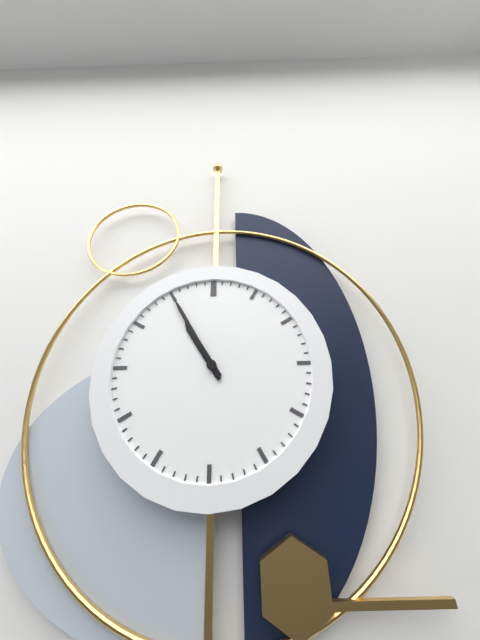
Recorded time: 10:55
